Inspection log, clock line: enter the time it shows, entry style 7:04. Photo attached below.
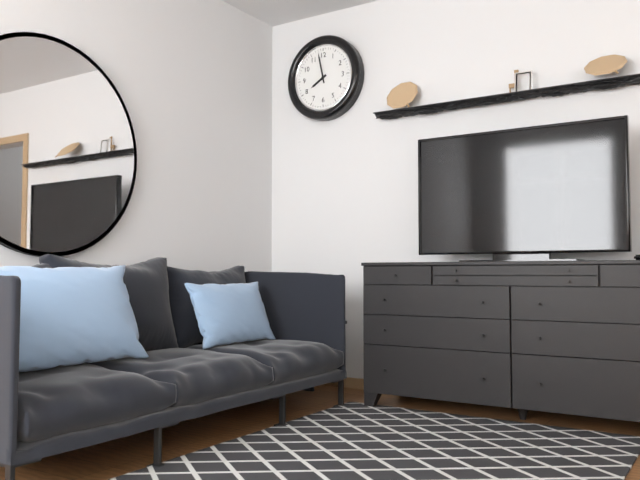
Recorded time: 7:58
